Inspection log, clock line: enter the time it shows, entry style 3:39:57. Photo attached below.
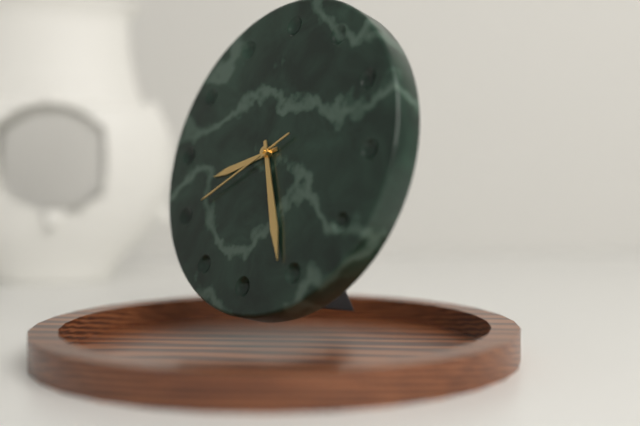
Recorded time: 8:26:40
